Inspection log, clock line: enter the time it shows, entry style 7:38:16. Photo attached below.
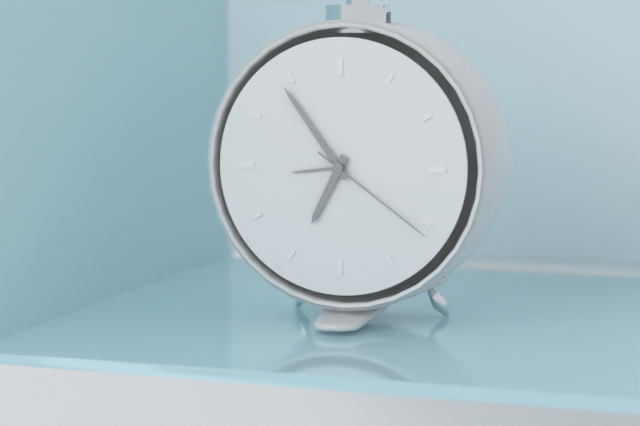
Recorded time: 6:54:21
